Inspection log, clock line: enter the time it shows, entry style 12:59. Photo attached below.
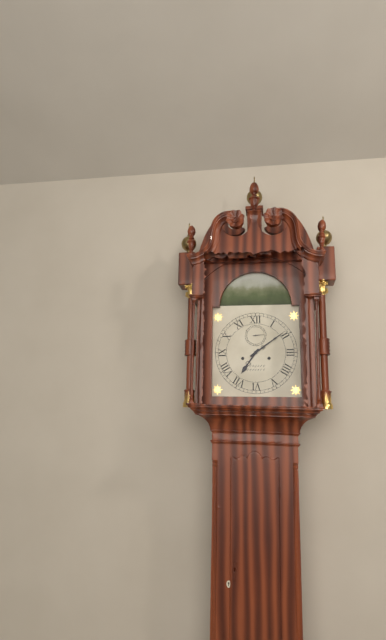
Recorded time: 7:09
